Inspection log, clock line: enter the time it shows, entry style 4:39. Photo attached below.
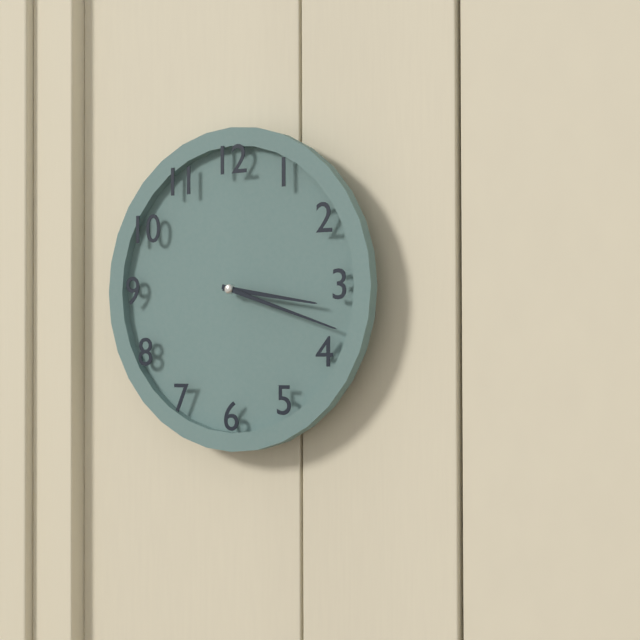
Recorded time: 3:18
